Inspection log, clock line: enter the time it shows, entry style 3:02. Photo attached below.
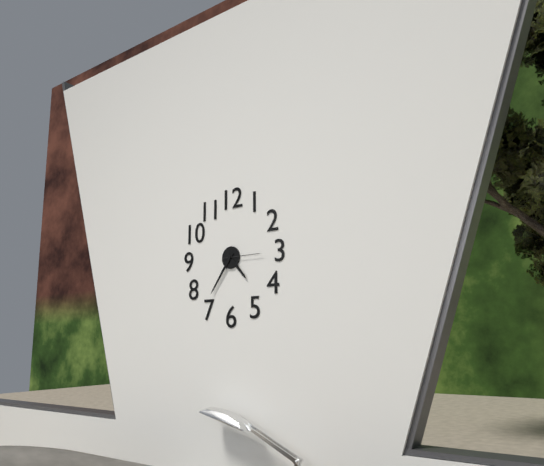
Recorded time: 4:36
